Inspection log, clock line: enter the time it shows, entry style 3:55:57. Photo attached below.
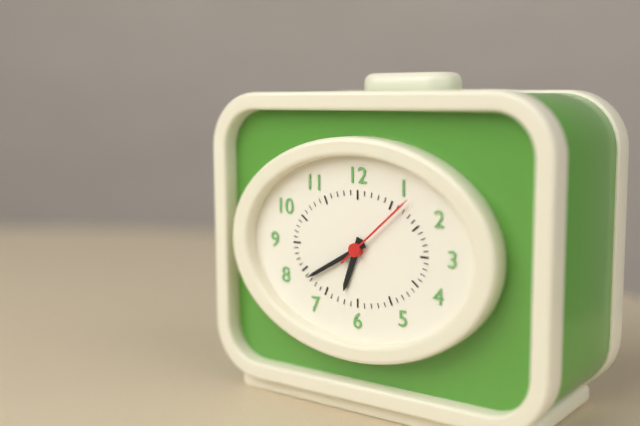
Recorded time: 6:40:08
